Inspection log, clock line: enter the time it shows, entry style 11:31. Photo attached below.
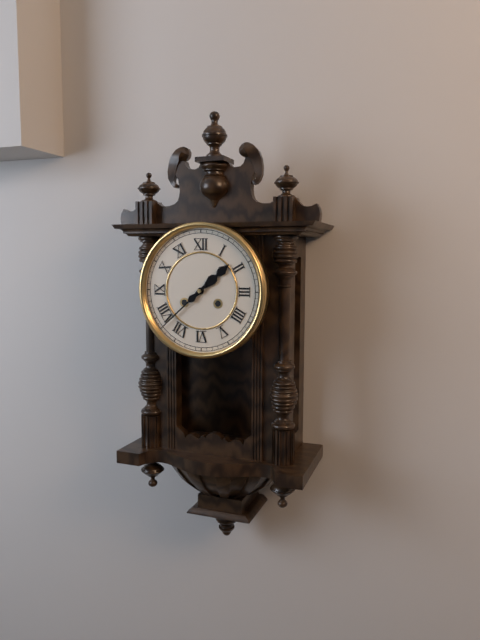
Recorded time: 1:38
